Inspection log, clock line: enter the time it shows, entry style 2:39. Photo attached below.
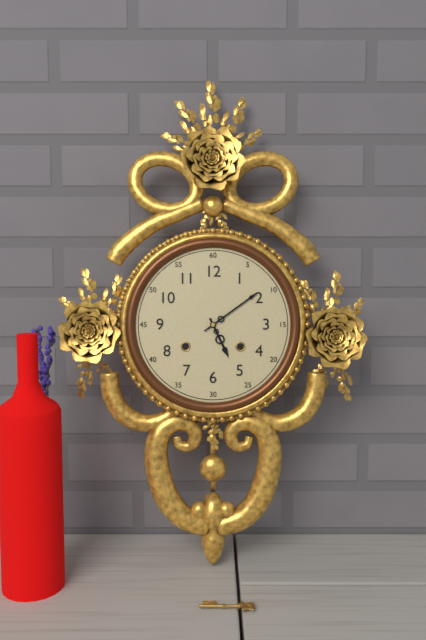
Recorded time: 5:09
